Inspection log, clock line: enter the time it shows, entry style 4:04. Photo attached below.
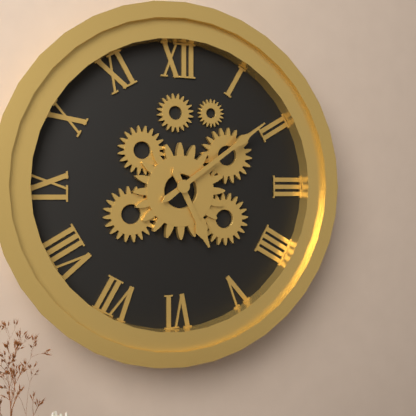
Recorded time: 5:09
